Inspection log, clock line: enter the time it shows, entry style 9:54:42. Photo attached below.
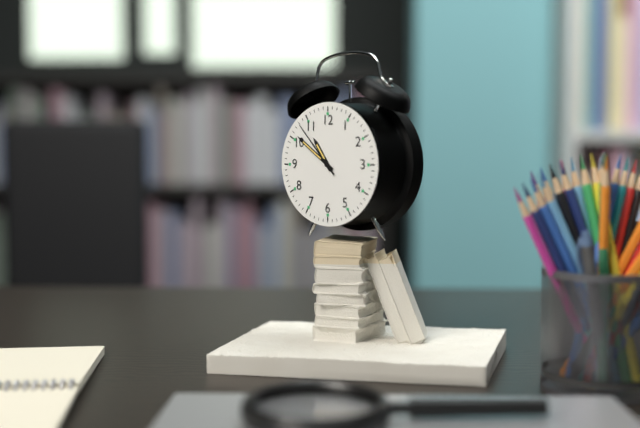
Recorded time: 10:51:53
